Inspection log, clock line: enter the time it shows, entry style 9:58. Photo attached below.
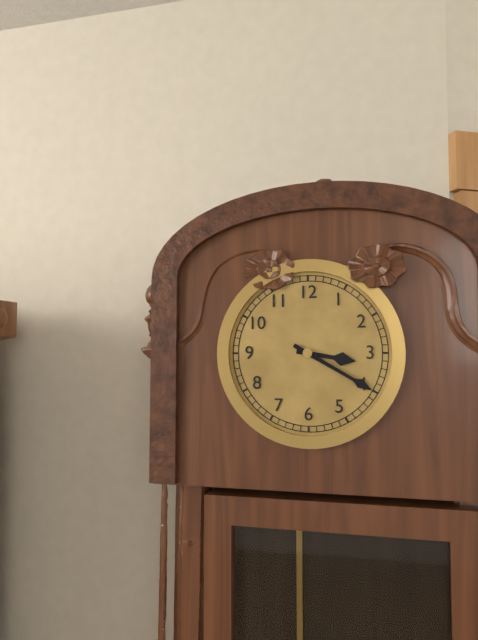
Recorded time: 3:20
